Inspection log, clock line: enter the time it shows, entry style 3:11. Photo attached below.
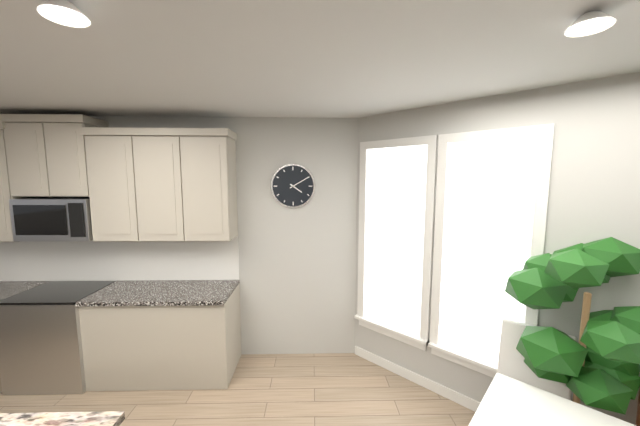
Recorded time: 4:10
